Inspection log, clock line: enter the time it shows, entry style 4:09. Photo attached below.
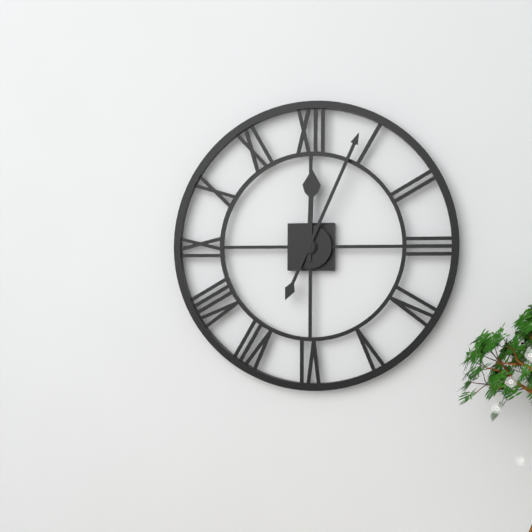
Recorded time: 12:04
